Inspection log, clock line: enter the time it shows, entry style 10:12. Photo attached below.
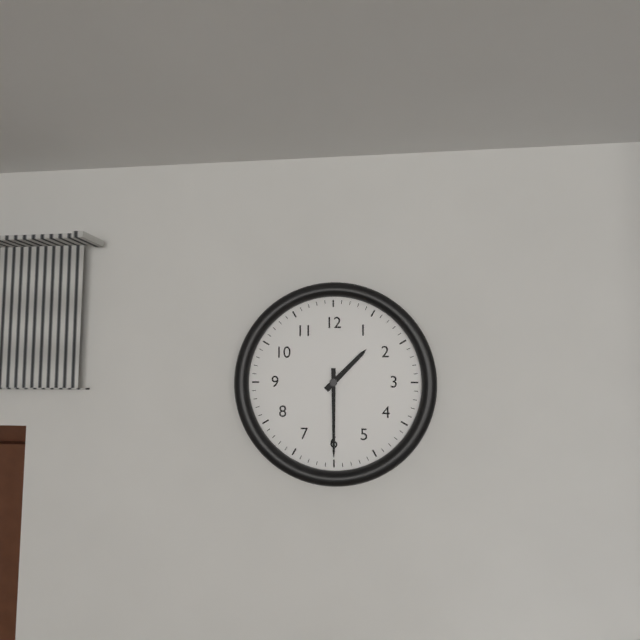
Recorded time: 1:30
